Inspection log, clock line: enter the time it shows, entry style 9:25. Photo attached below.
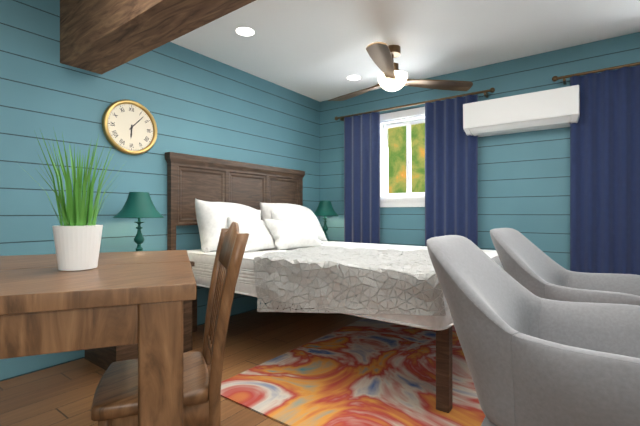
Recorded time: 6:07
